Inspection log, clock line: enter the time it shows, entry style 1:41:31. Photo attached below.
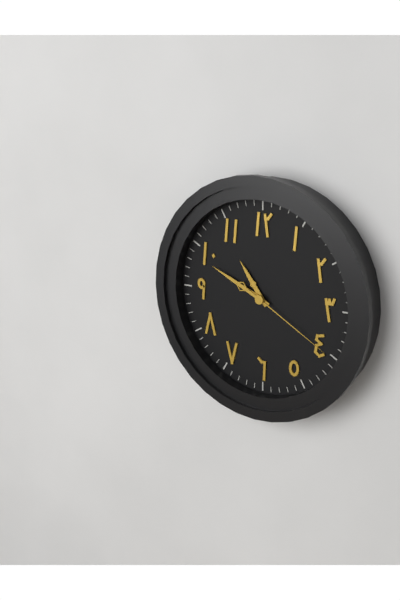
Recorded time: 10:49:20
